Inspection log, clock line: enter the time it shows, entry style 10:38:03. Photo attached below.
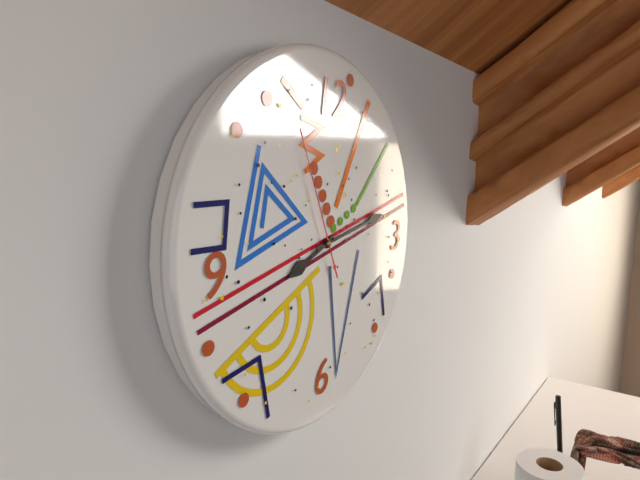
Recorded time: 8:13:56
